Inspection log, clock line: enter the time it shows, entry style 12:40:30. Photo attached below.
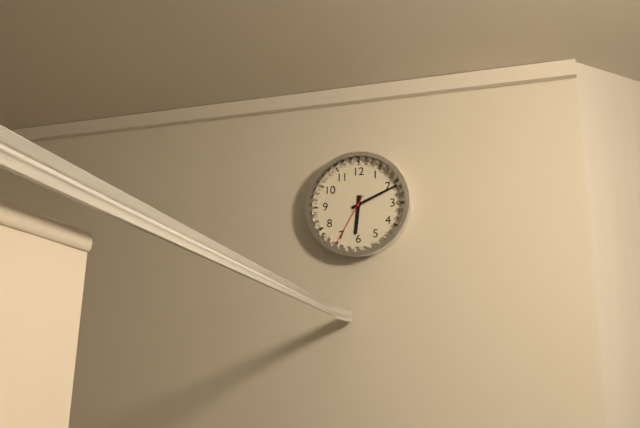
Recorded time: 6:11:35
